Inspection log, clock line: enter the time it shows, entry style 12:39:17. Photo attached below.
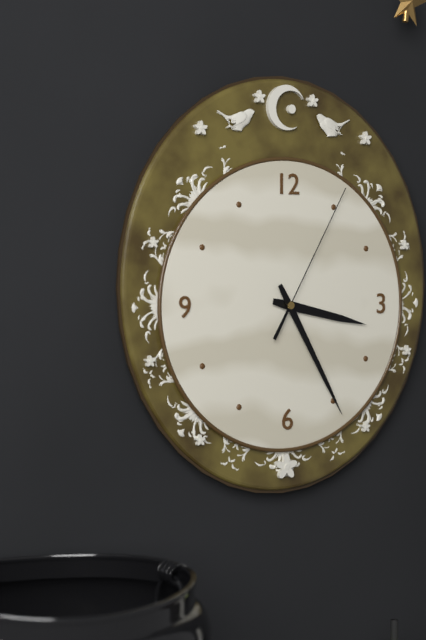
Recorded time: 3:25:05
